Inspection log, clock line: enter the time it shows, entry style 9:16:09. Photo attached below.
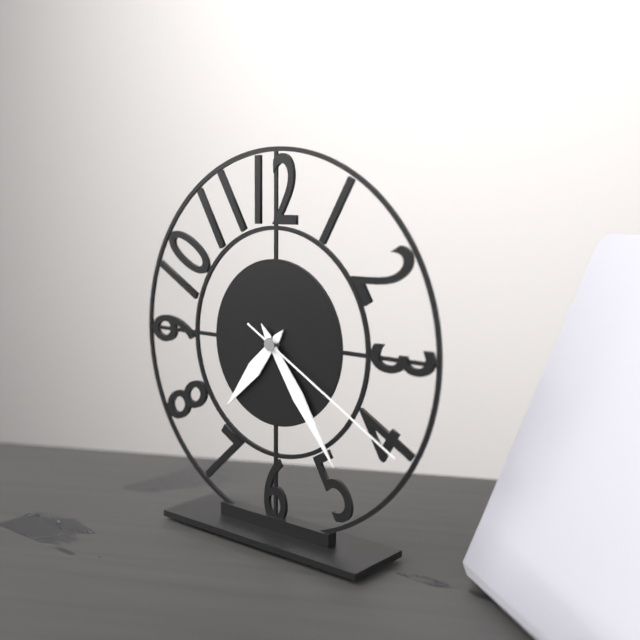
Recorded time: 7:24:20
